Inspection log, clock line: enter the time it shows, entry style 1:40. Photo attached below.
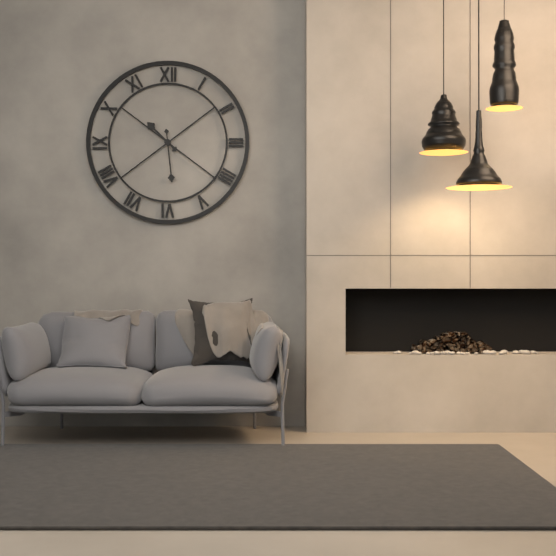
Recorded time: 10:29
